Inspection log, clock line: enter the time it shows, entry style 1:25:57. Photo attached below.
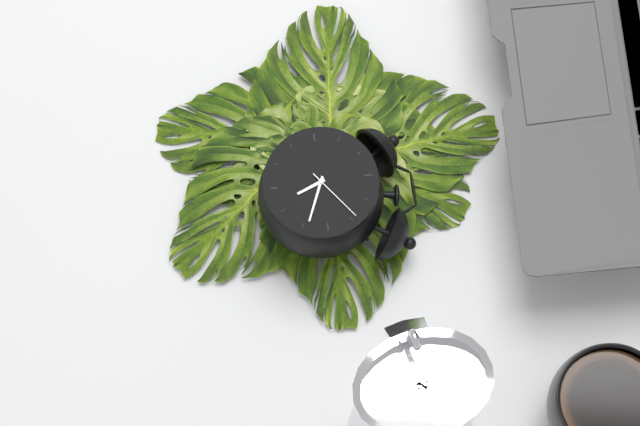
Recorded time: 5:19:09
